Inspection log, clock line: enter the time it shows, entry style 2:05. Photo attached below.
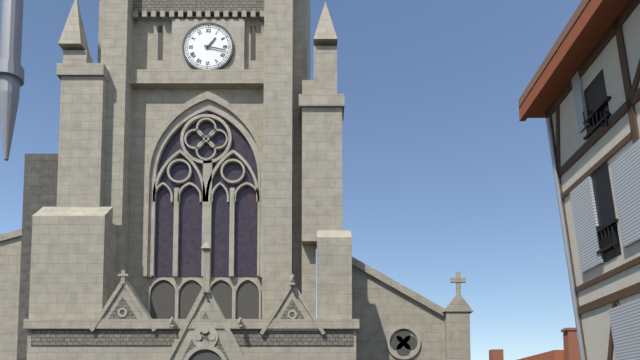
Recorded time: 1:17
